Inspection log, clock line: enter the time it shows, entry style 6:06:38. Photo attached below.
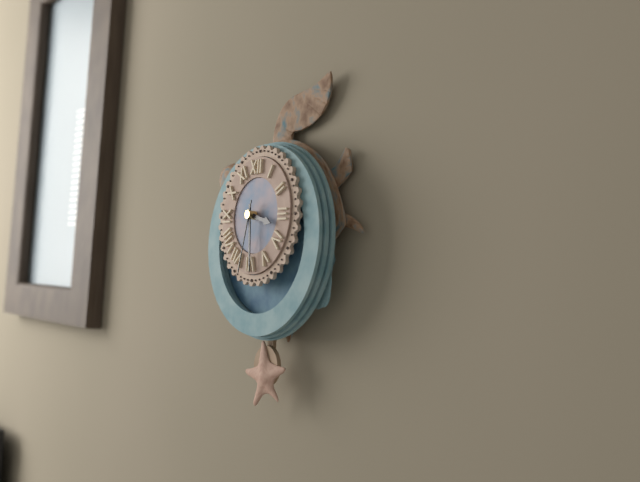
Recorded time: 3:29:32
